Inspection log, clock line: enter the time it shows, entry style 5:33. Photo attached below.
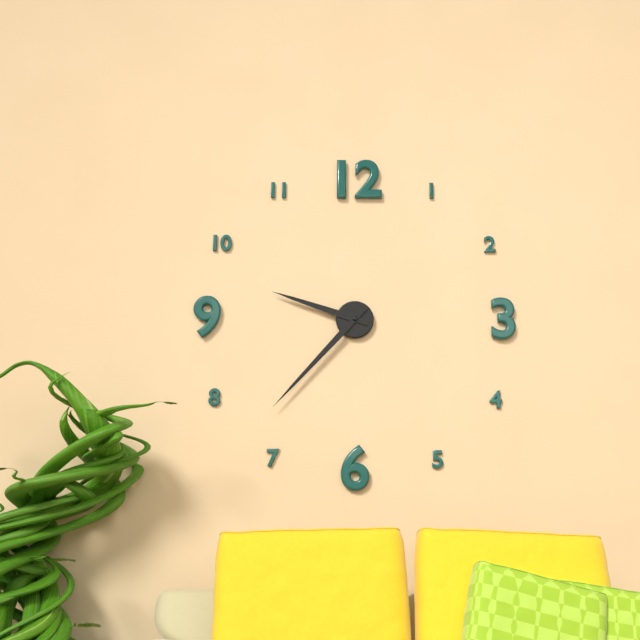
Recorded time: 9:37
